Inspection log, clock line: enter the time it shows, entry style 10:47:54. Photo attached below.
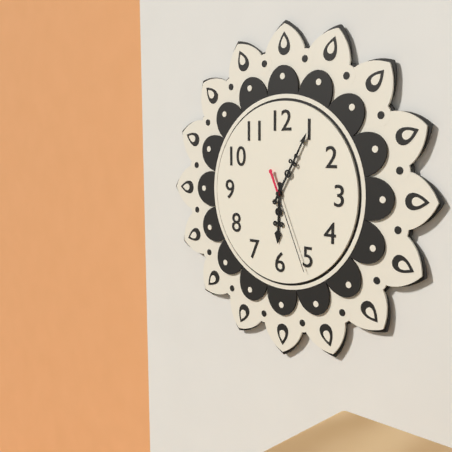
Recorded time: 6:05:26
